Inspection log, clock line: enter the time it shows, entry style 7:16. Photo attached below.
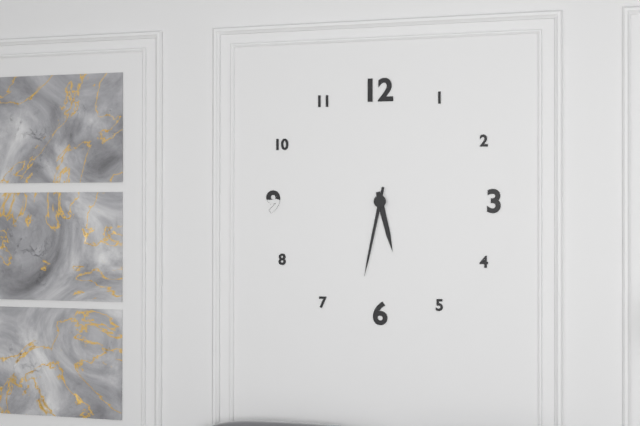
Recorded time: 5:32
